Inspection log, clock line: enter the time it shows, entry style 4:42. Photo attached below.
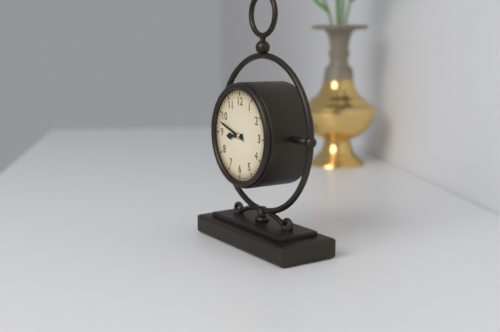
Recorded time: 8:48
